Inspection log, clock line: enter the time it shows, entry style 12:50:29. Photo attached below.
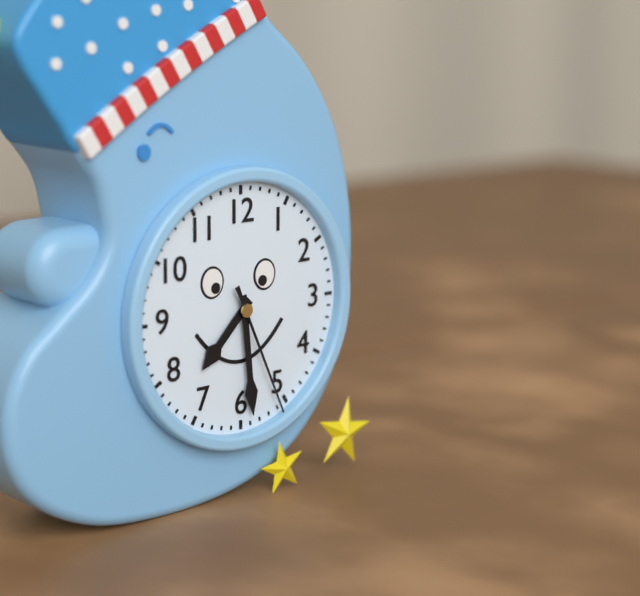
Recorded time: 7:29:26
